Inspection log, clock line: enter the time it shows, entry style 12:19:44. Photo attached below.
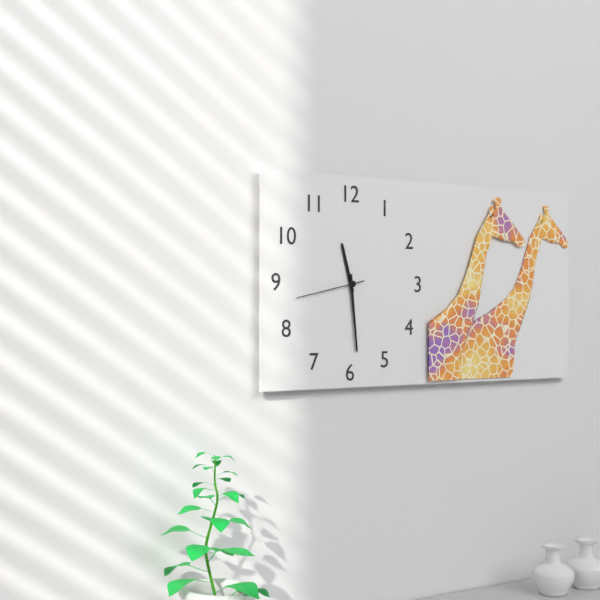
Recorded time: 11:29:43
